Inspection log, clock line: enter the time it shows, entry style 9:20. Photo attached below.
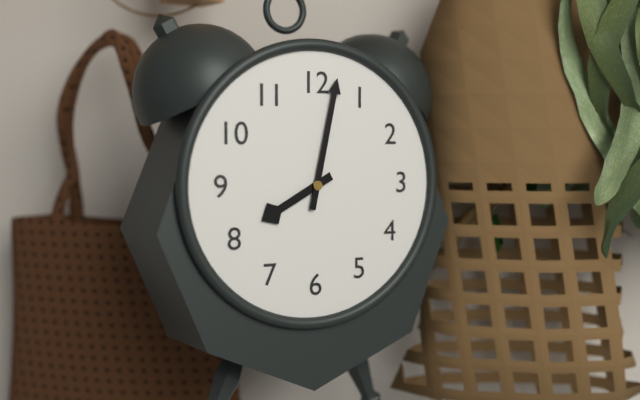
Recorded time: 8:02
